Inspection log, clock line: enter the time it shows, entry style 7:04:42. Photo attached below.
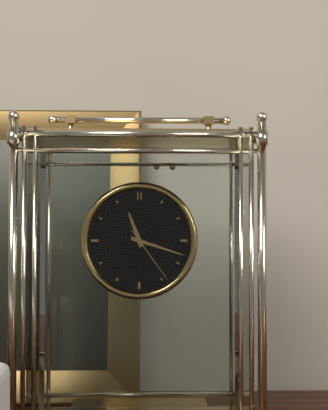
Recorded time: 11:18:24
